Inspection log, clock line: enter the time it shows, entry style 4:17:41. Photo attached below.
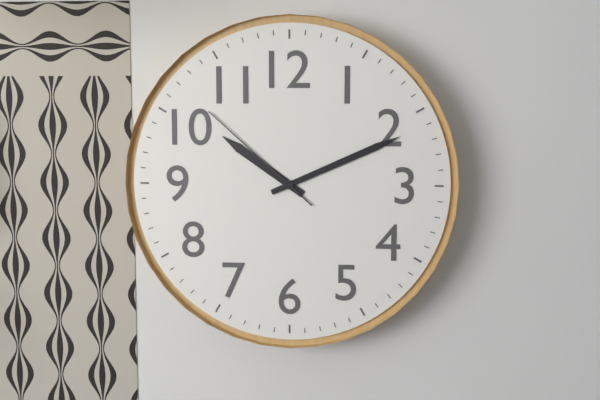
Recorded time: 10:11:52
